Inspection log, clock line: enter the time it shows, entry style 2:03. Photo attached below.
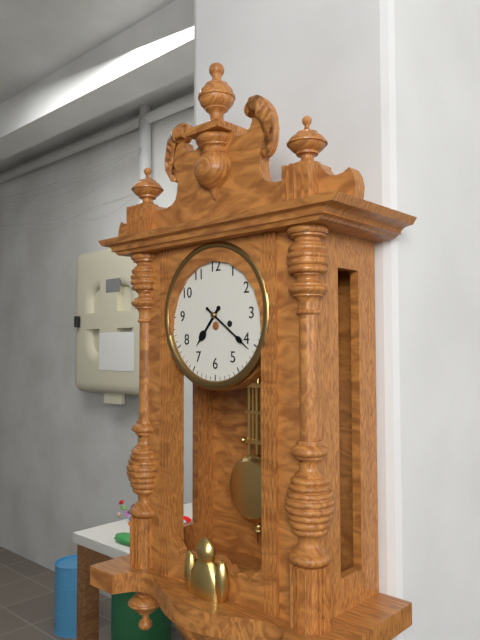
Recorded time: 7:21
